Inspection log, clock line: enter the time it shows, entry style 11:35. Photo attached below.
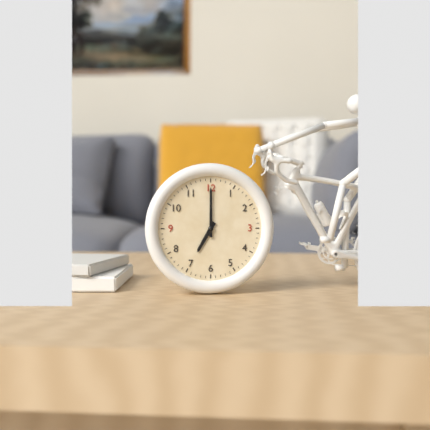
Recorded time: 7:00
